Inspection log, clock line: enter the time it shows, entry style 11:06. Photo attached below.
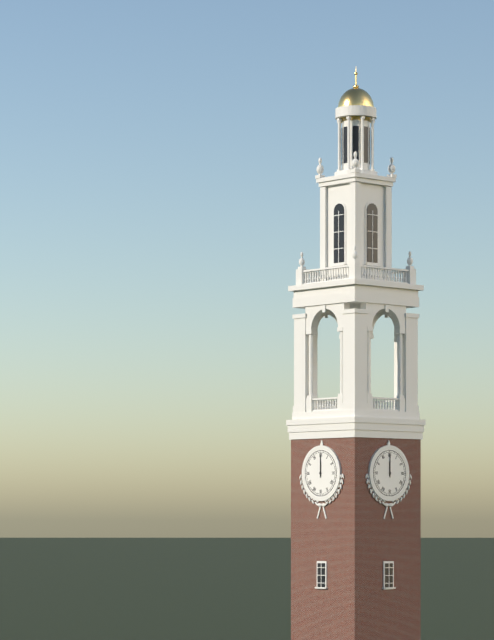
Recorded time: 12:00
